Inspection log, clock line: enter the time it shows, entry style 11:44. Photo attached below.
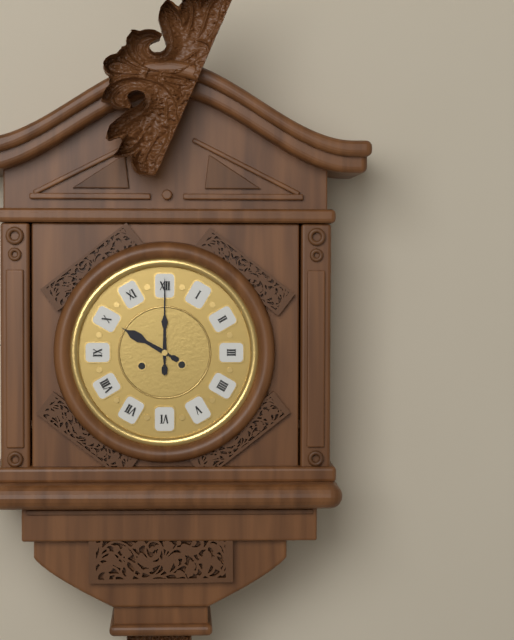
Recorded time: 10:00
